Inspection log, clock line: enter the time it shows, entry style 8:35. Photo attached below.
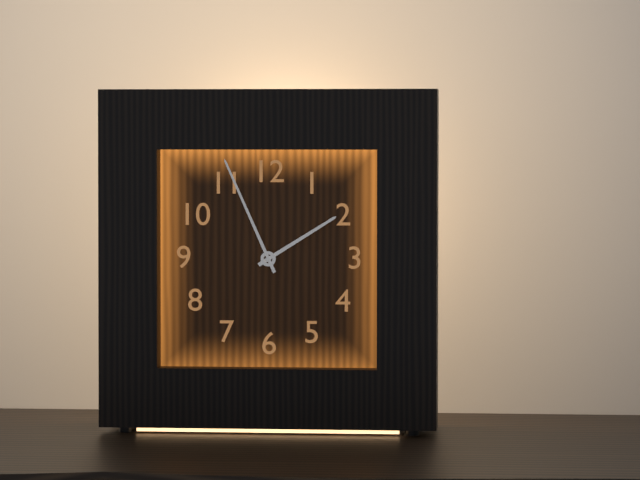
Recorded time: 1:56
